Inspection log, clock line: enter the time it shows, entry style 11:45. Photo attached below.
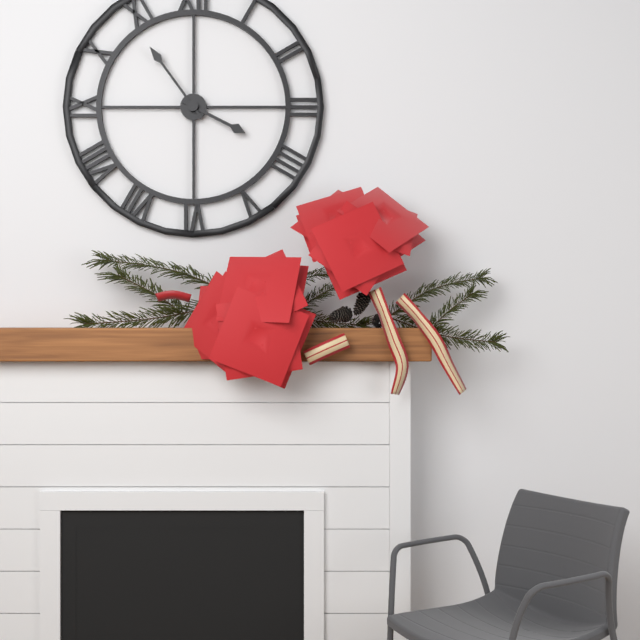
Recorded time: 3:54
